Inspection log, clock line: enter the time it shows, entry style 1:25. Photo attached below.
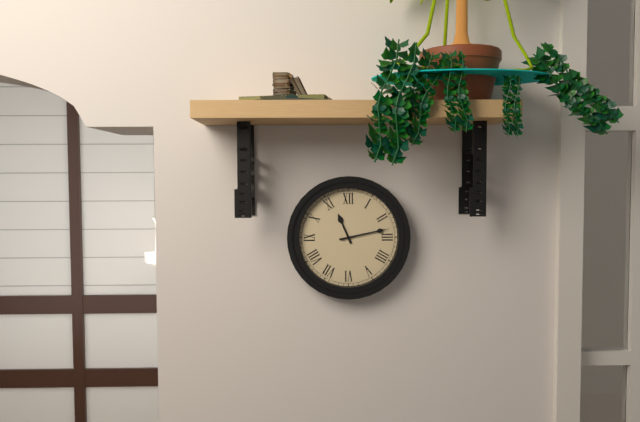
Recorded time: 11:13
